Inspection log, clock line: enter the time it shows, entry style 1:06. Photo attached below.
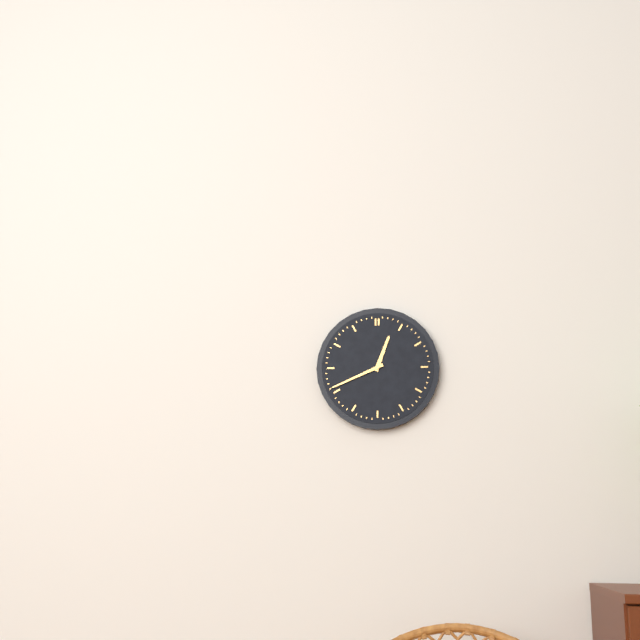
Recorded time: 12:41
